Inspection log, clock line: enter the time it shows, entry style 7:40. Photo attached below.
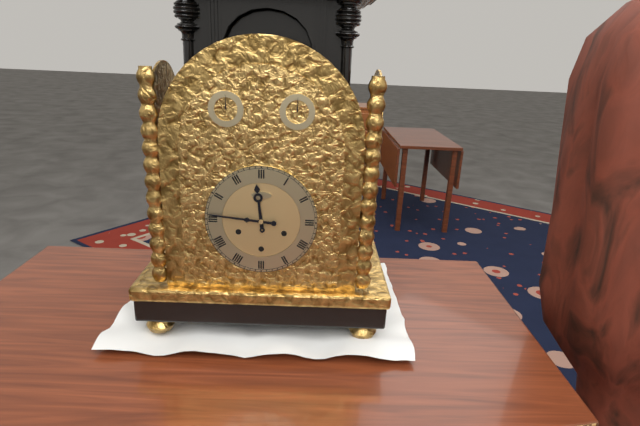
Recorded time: 11:46
